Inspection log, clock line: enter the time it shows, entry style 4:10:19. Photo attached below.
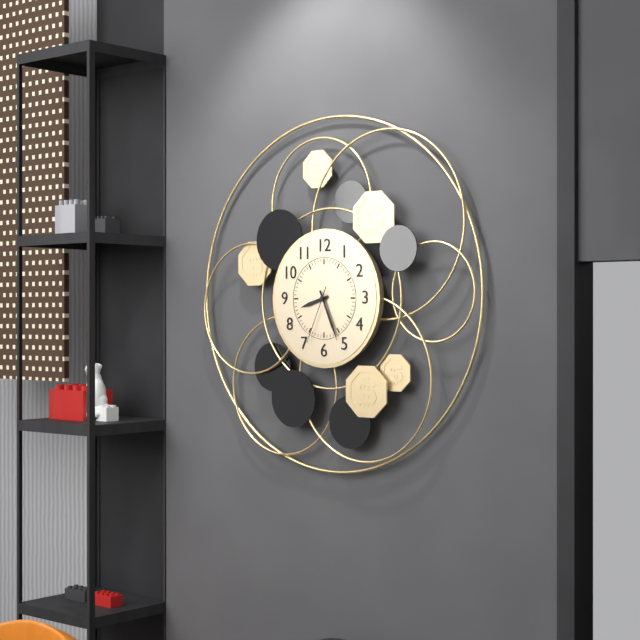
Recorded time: 8:26:34
